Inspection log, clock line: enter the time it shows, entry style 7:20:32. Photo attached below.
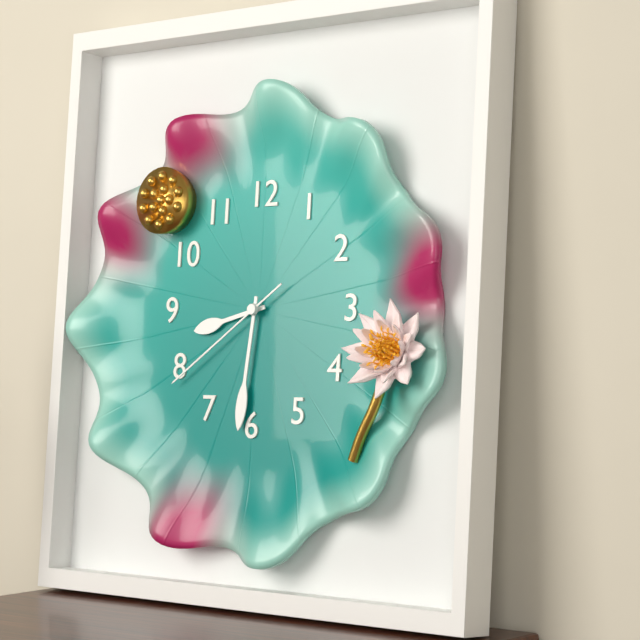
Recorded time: 8:31:39
